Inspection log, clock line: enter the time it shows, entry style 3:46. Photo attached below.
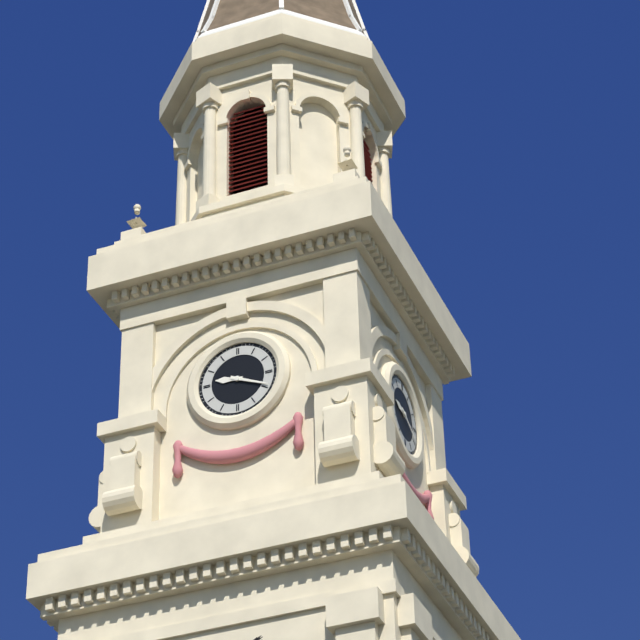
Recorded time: 9:19
